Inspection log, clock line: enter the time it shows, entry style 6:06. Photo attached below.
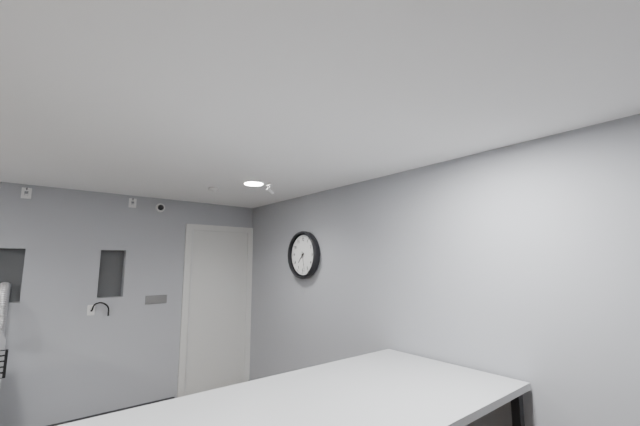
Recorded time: 7:28
